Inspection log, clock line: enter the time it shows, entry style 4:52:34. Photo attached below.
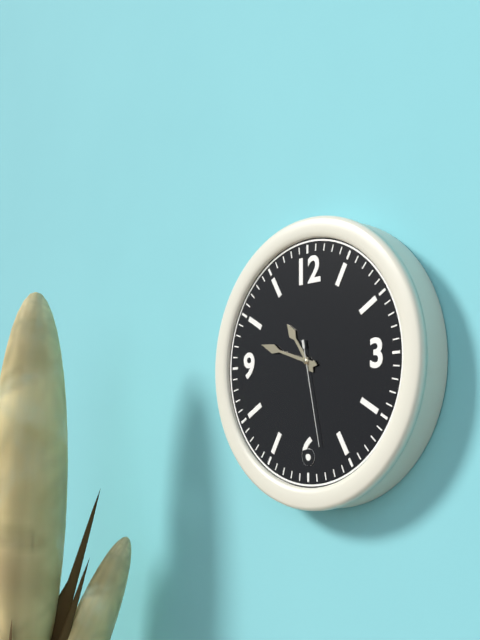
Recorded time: 10:48:28
